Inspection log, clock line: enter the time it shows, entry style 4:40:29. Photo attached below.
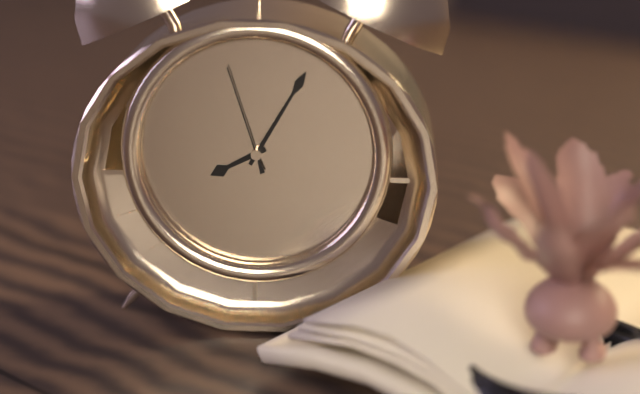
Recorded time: 8:05:57
